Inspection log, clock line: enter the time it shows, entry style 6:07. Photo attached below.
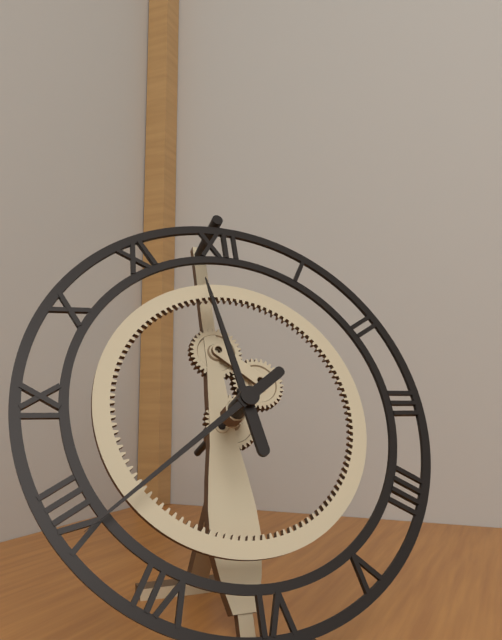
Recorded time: 11:39
